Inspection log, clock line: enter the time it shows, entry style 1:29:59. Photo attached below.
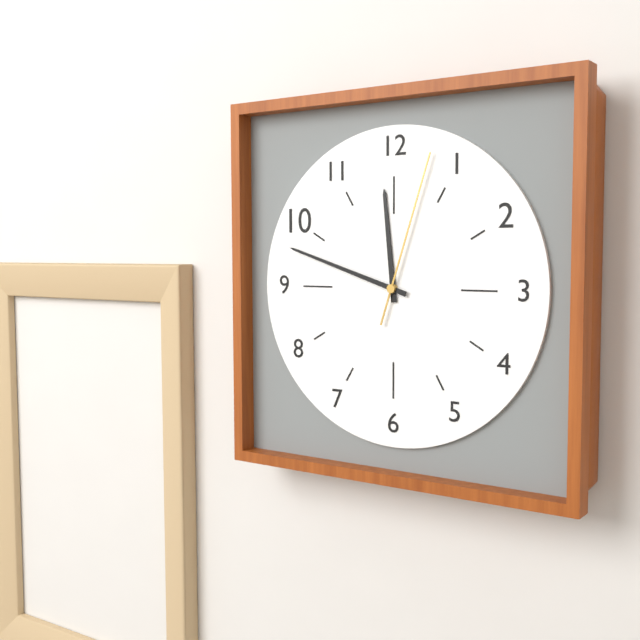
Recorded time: 11:48:03
